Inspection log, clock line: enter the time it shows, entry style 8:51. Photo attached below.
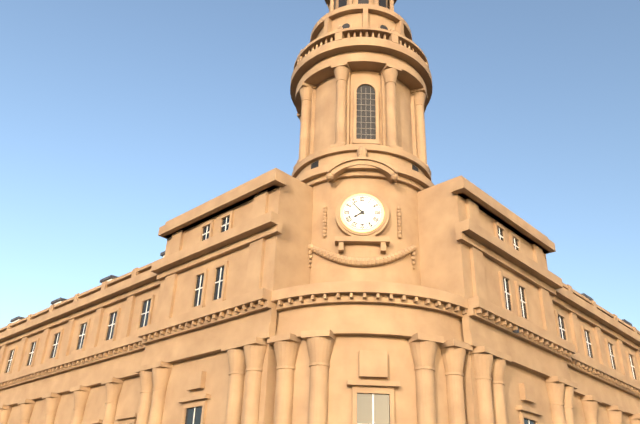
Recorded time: 7:53
